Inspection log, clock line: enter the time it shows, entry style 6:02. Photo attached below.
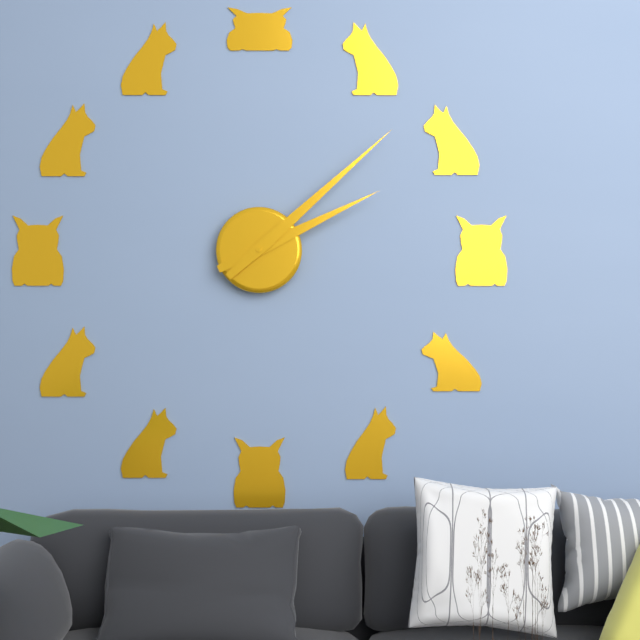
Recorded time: 2:08
